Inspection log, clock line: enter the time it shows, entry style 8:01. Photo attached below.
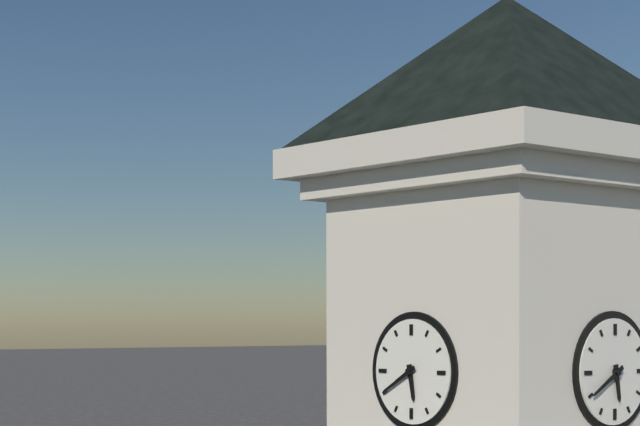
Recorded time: 5:40
